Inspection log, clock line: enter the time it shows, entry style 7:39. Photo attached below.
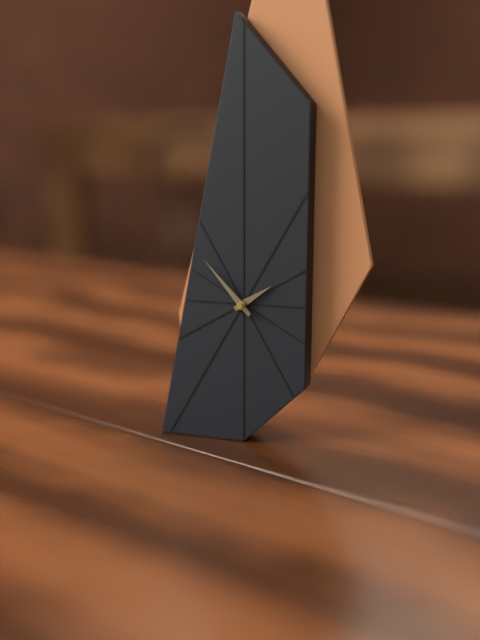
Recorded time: 1:53
